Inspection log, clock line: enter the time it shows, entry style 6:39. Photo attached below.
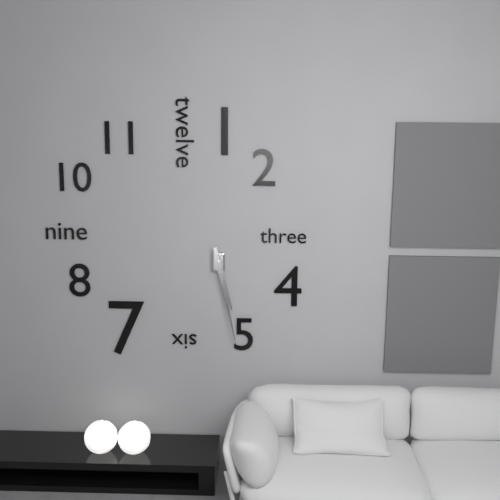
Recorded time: 5:28
